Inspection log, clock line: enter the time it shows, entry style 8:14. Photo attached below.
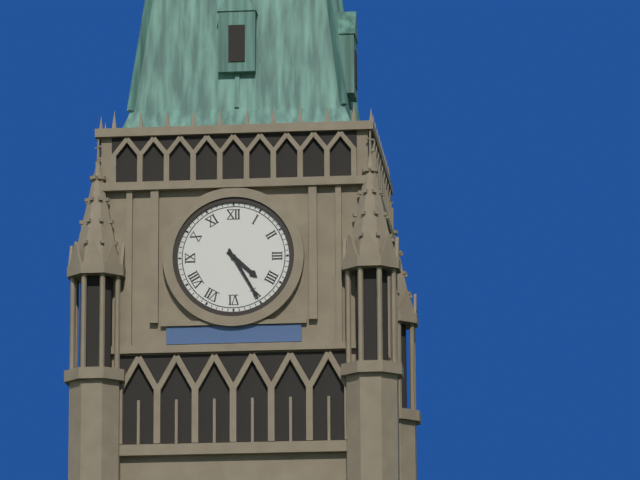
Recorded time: 4:25
